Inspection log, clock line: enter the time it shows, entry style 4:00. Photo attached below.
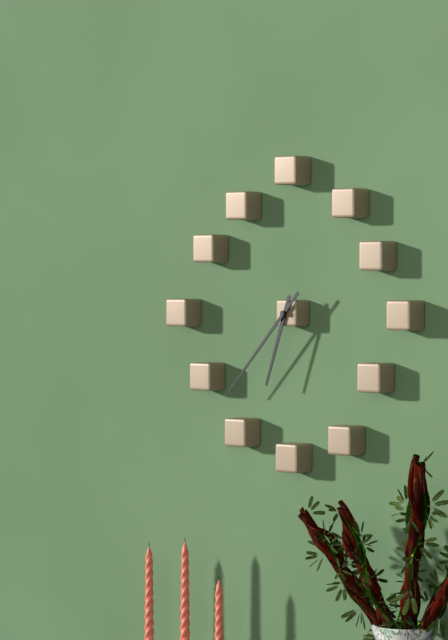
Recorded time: 6:37
